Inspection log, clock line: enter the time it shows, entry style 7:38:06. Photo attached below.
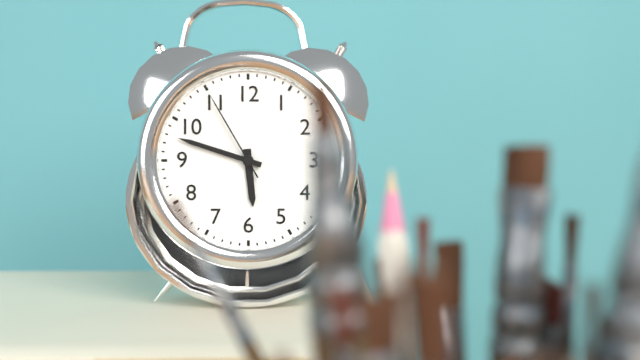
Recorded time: 5:48:55
